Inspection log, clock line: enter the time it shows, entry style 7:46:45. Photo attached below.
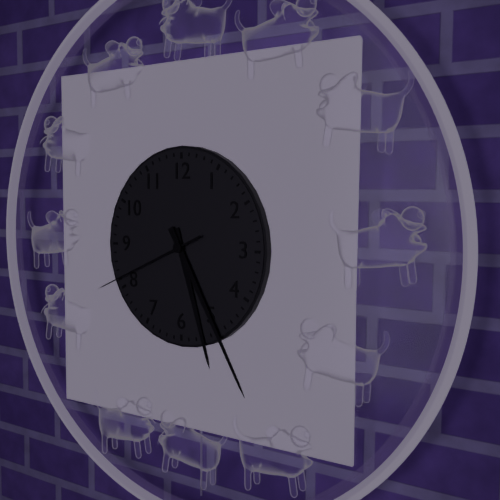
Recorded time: 5:25:41
